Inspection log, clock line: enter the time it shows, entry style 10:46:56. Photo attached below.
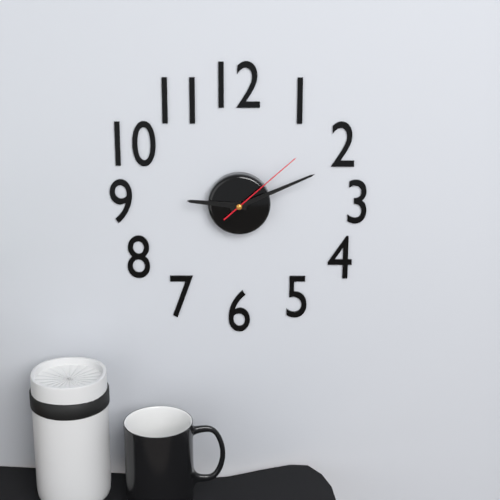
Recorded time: 9:11:08
